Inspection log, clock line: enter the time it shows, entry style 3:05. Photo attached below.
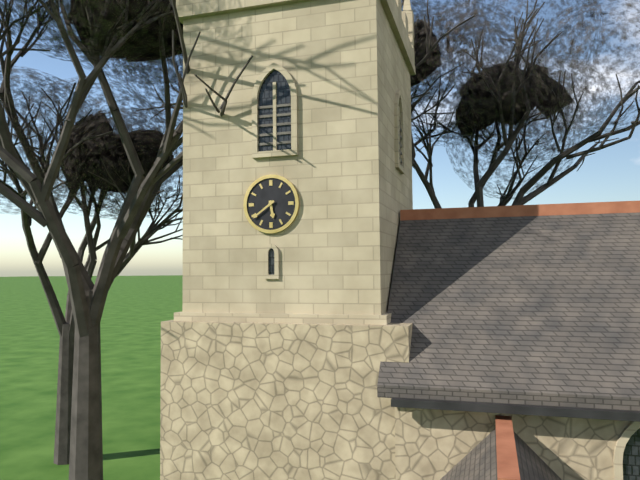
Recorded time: 5:39
